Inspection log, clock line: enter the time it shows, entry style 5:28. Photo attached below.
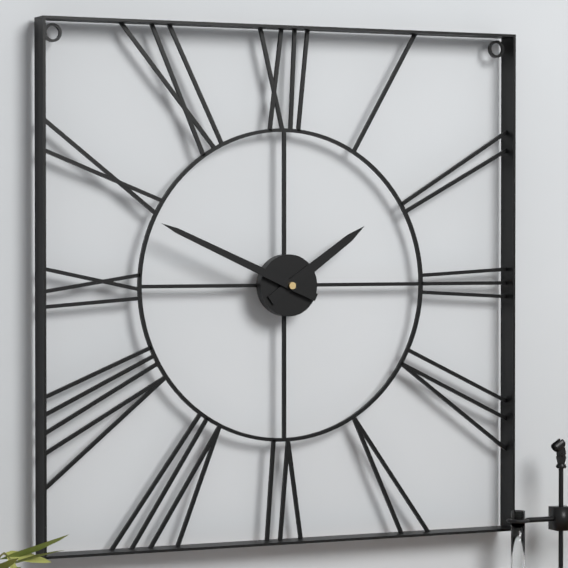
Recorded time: 1:49
